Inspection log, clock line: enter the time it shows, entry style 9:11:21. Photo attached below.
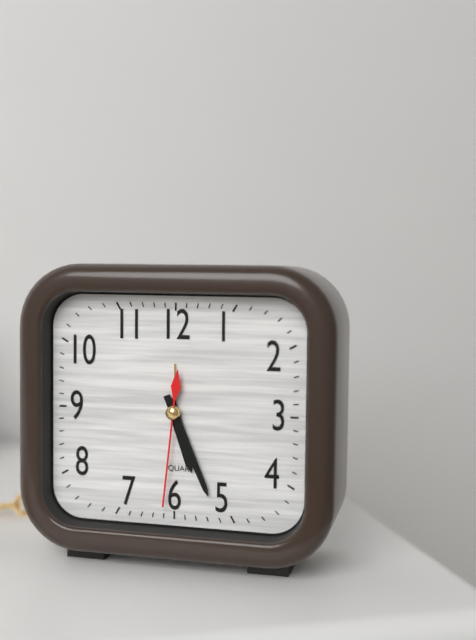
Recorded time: 5:26:31
